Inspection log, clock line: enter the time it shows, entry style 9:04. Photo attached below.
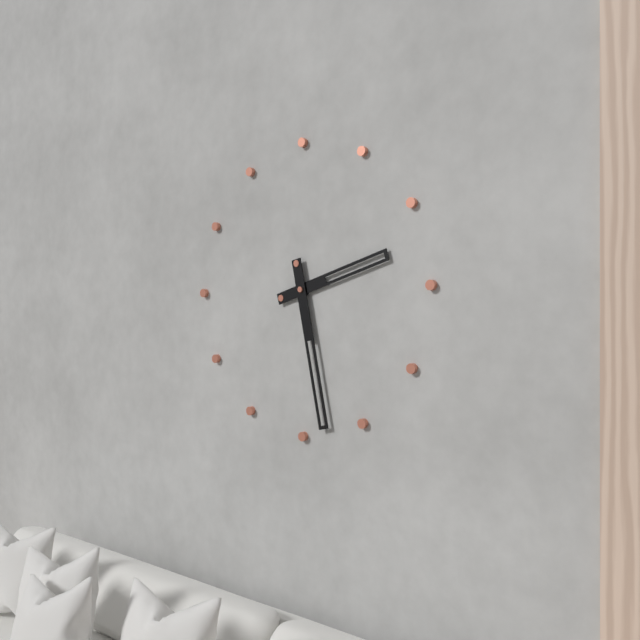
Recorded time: 2:28
